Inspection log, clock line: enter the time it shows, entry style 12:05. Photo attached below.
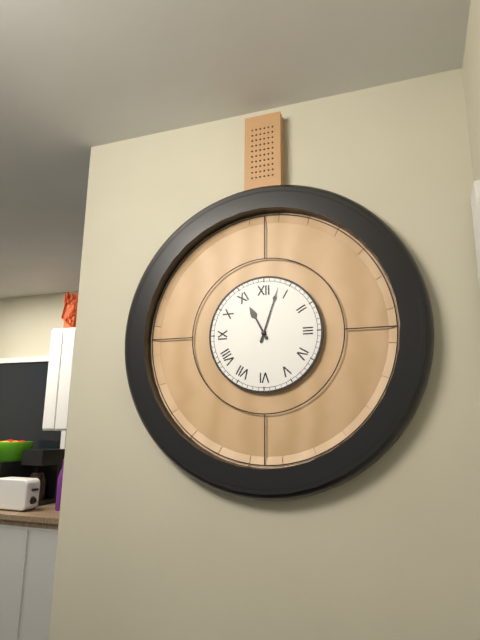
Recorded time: 11:03
